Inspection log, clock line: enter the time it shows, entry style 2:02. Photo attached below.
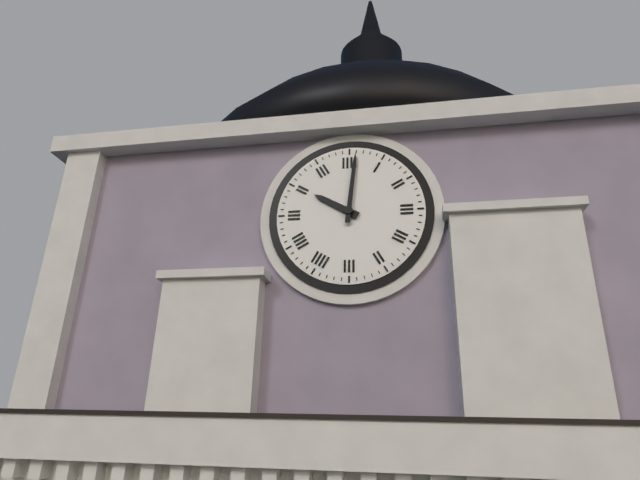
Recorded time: 10:01
